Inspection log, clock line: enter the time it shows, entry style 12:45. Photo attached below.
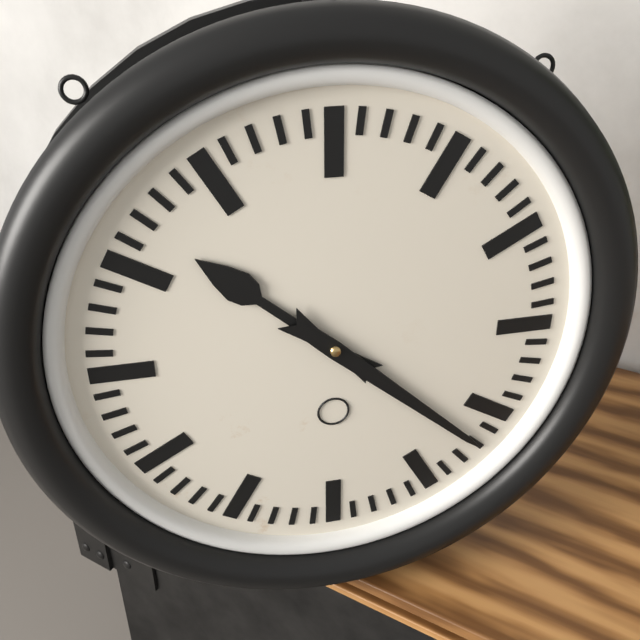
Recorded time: 10:22
